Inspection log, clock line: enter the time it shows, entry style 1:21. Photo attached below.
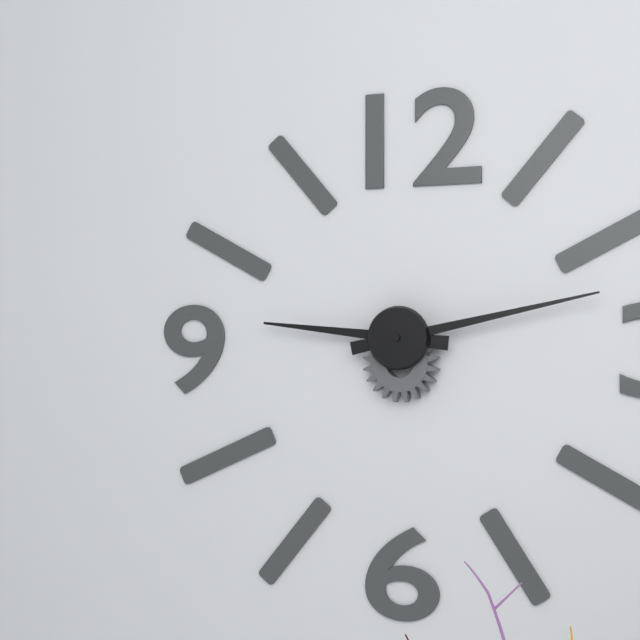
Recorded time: 9:13
